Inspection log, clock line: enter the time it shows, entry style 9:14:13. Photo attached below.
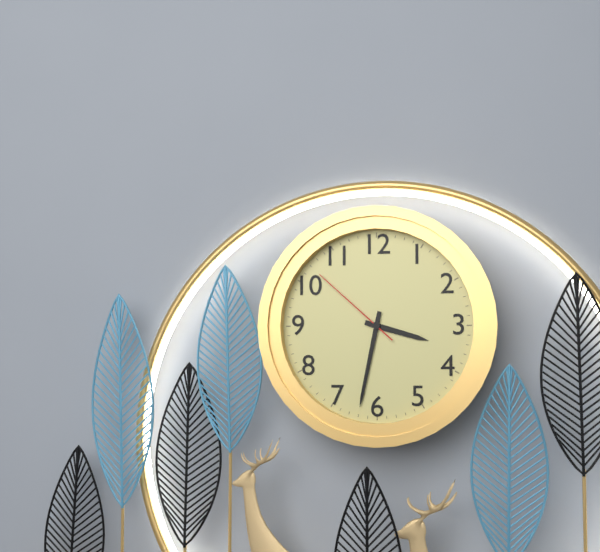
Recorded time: 3:32:52
